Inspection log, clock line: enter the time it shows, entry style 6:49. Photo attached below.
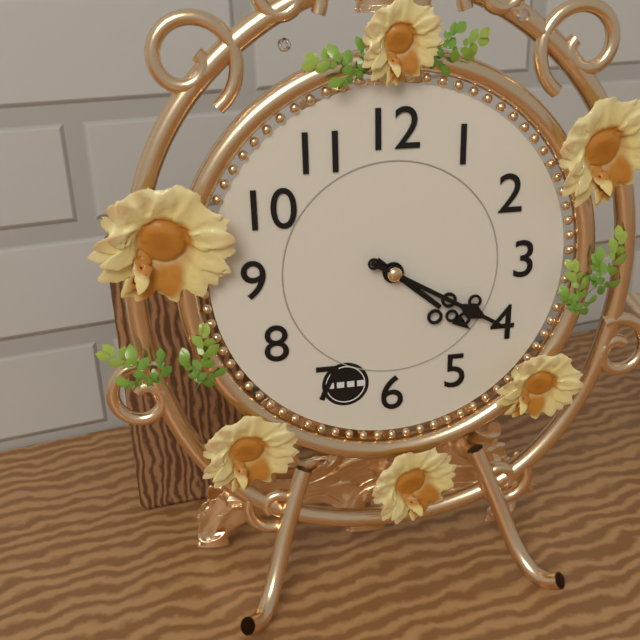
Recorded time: 4:20
